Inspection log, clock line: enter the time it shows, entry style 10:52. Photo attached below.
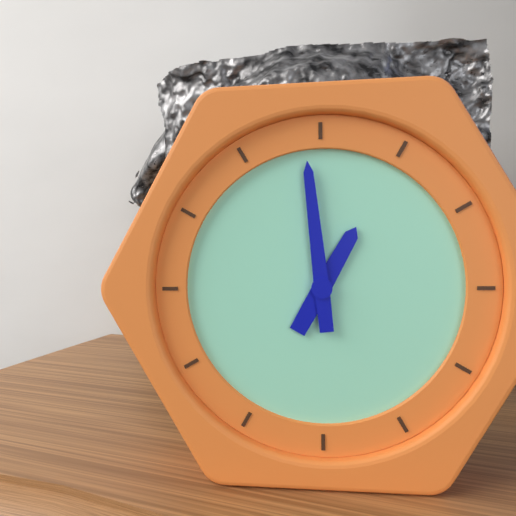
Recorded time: 12:59
